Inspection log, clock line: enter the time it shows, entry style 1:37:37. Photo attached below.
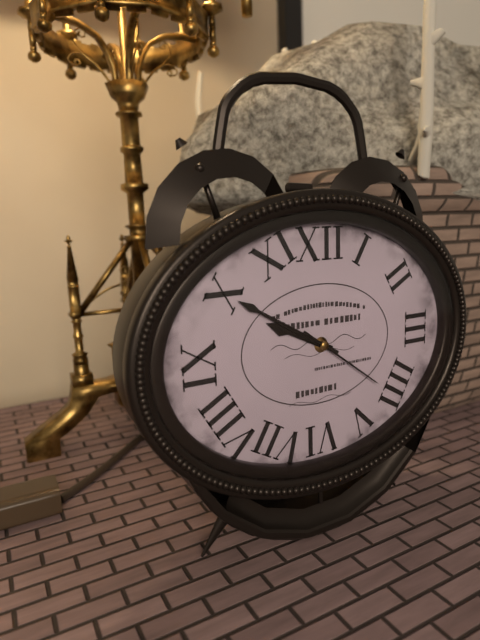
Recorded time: 9:50:21
